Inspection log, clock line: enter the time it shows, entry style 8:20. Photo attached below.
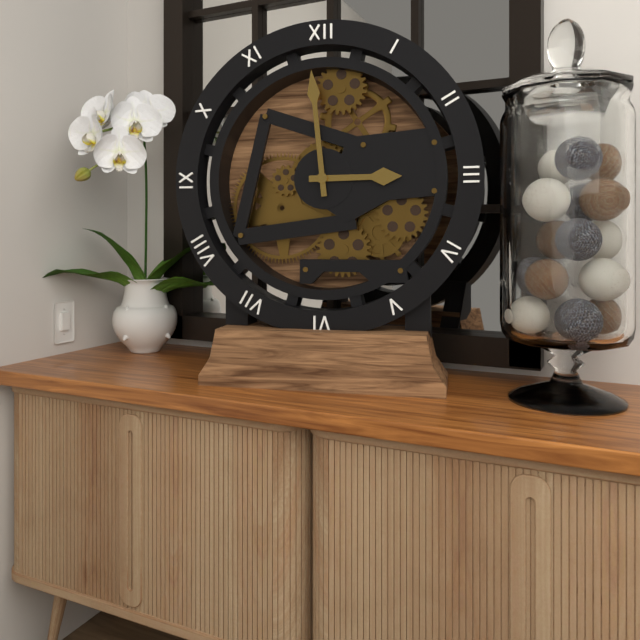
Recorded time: 2:59
